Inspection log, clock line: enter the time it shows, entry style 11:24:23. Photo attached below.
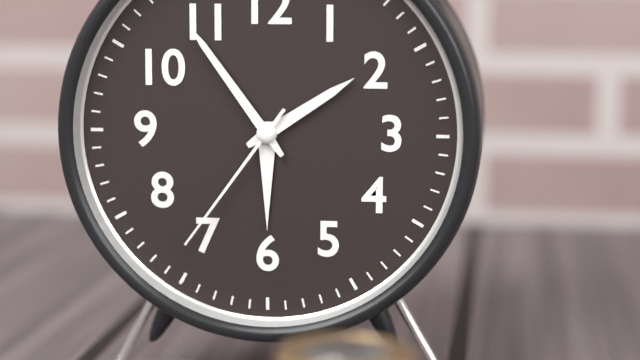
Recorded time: 1:54:36
